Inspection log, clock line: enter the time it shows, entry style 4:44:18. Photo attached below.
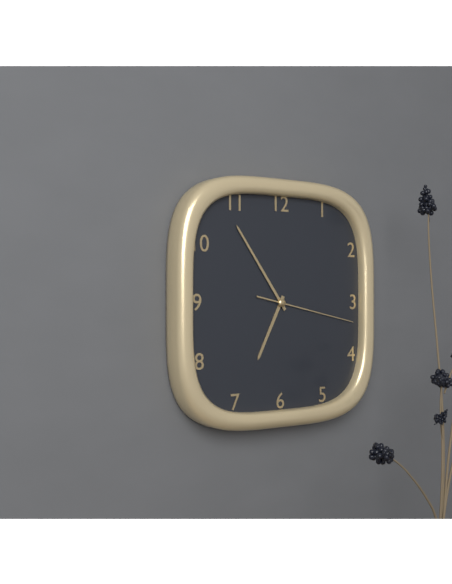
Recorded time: 6:54:17
